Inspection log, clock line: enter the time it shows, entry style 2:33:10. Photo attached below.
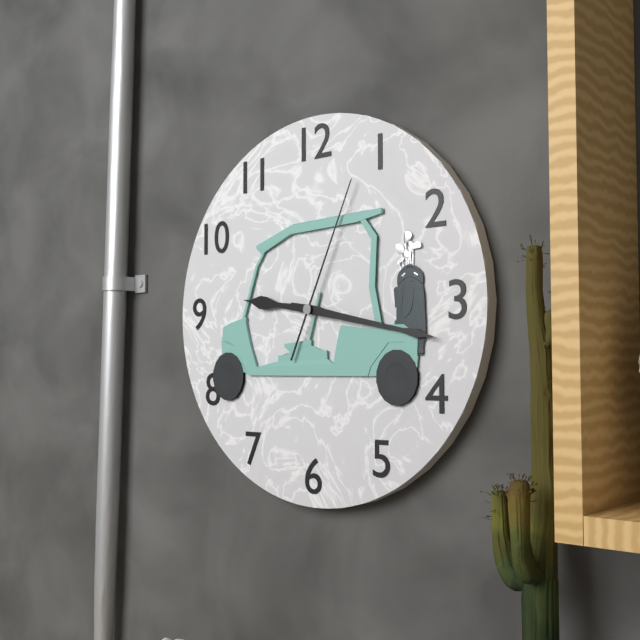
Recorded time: 9:17:04
